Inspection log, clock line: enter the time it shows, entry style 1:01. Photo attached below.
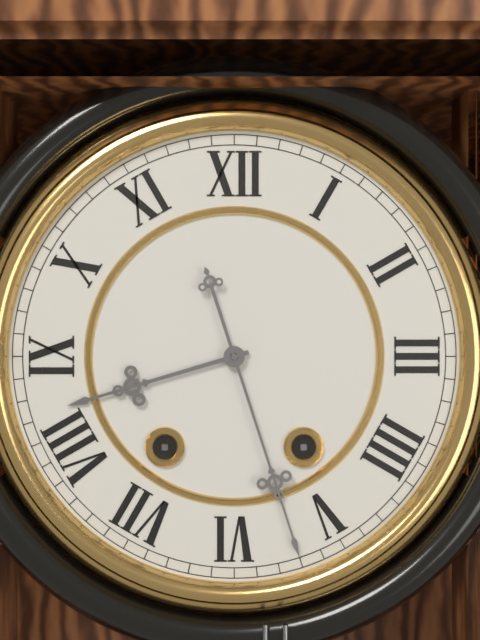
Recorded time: 8:27
